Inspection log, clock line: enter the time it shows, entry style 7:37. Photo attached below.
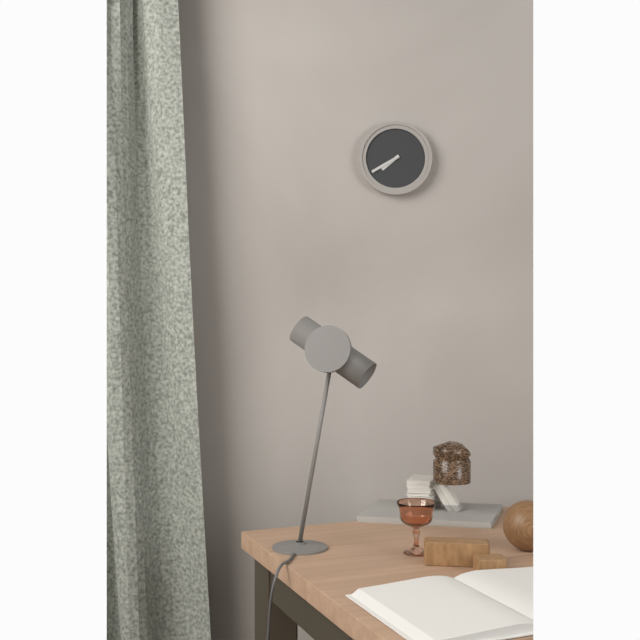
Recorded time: 7:40
